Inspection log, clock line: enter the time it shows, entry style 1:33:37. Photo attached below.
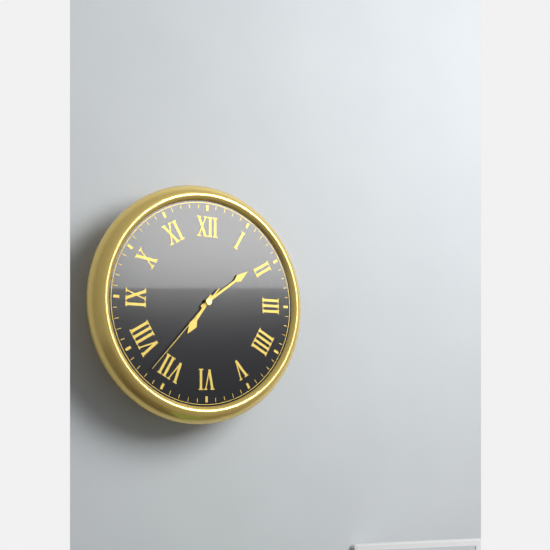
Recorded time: 7:09:37
